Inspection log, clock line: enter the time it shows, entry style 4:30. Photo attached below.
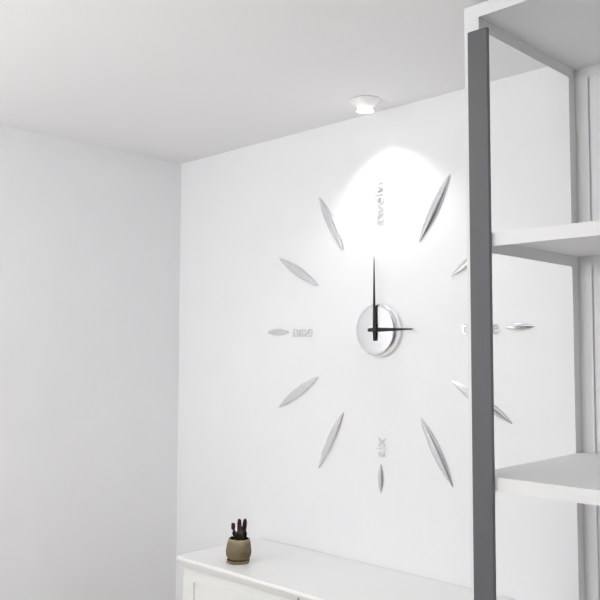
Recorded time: 3:00
